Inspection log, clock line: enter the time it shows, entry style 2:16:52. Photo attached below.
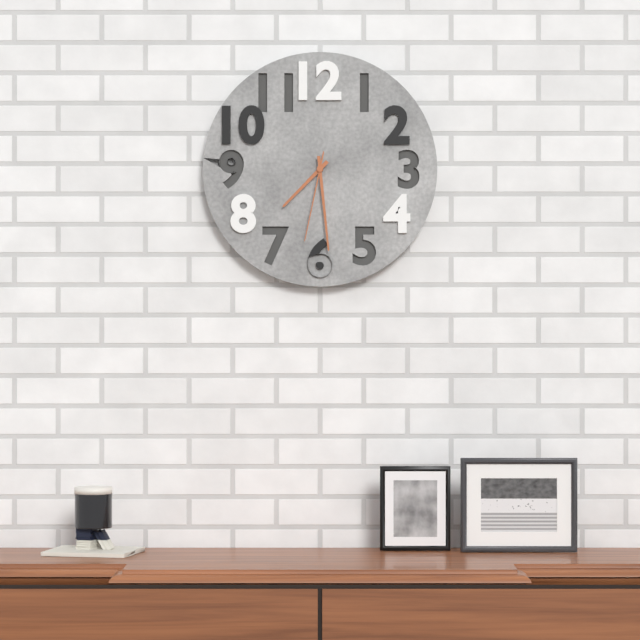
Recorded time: 7:29:32
